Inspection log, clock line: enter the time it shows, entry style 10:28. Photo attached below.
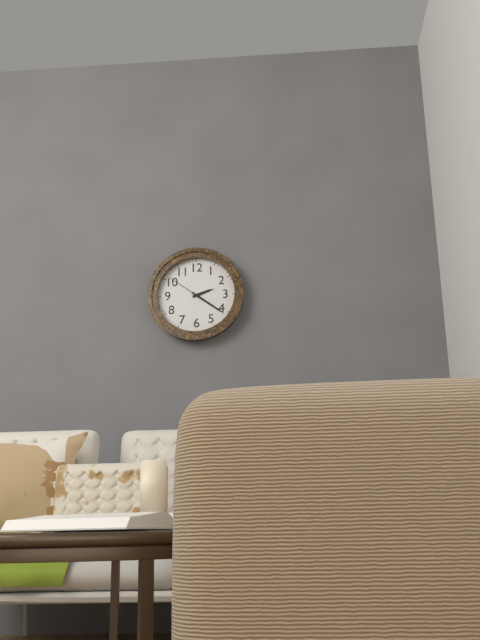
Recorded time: 2:21
